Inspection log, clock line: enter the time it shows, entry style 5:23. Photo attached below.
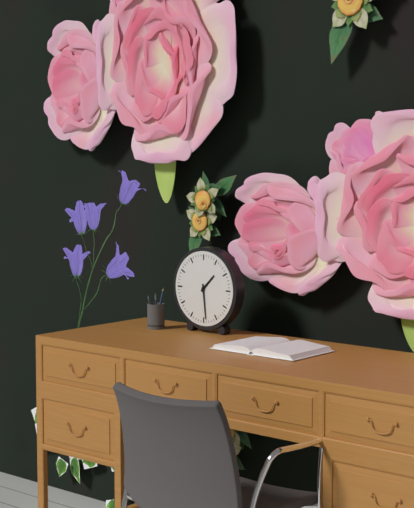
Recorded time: 1:29
